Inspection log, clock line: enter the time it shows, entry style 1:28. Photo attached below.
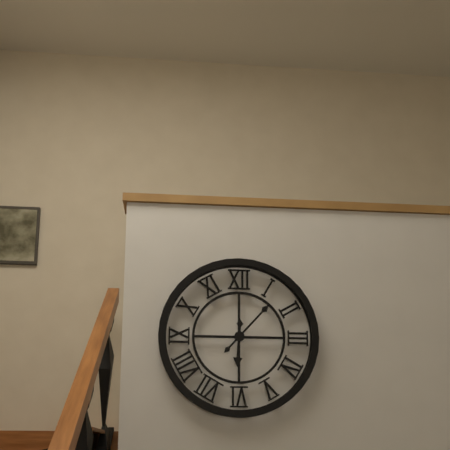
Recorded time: 6:07
